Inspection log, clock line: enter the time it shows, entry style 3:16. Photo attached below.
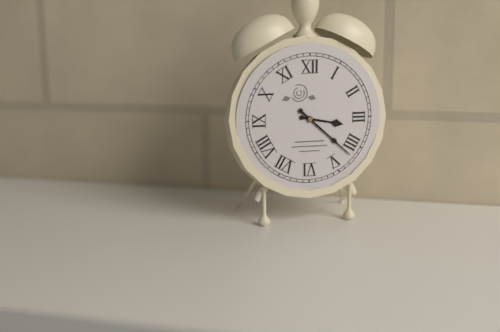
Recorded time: 3:22
